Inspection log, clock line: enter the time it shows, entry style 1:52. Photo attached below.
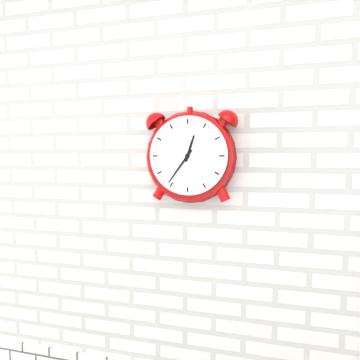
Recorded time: 12:36
